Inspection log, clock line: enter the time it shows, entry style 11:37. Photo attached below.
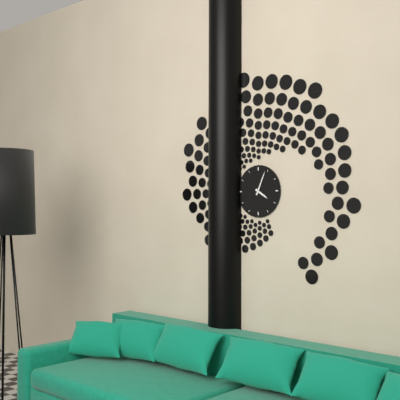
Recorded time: 4:04
